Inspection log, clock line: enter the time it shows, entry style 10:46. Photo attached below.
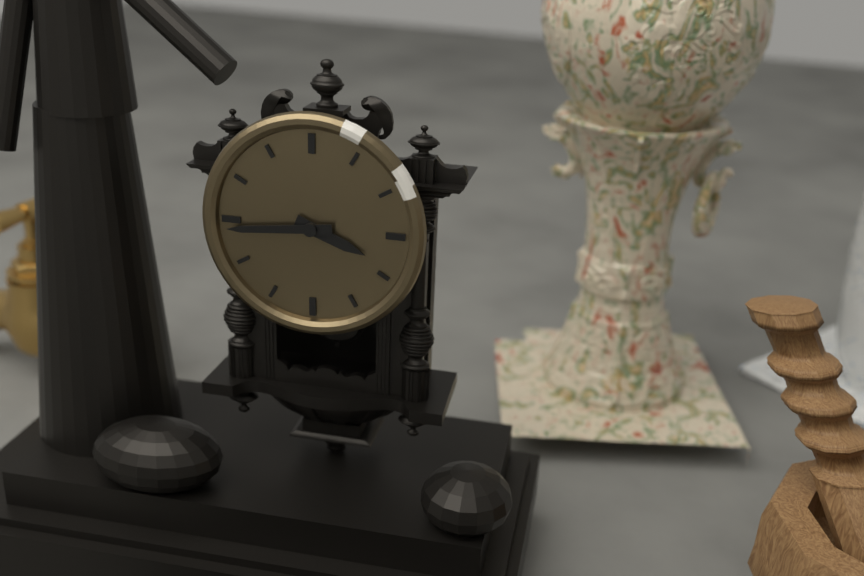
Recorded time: 3:44
